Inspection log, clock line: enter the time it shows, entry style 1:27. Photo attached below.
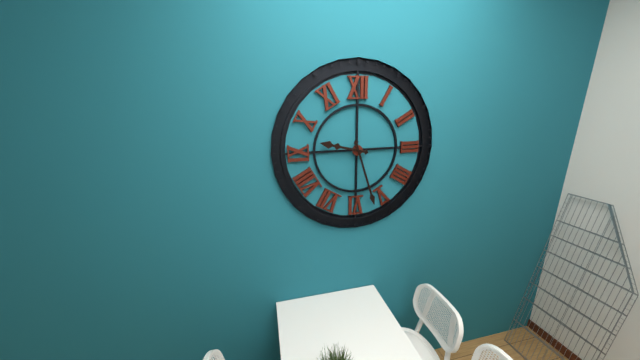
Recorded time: 9:27
